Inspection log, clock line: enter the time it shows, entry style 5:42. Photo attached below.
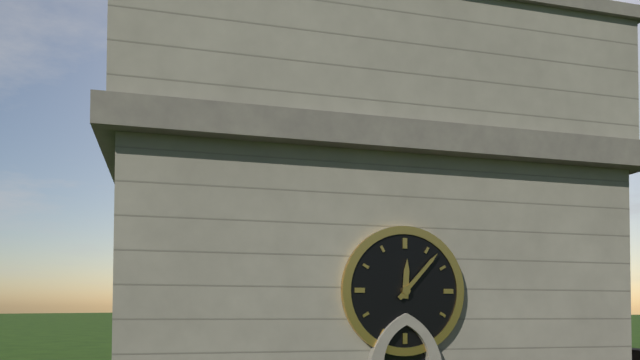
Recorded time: 12:07
